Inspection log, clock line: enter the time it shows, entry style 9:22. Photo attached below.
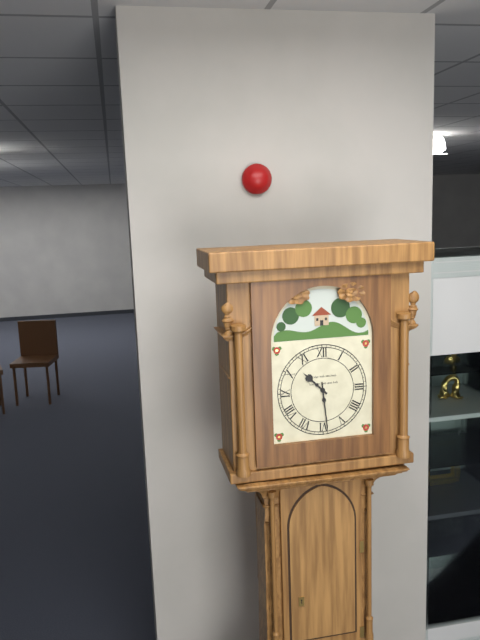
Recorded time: 10:29
